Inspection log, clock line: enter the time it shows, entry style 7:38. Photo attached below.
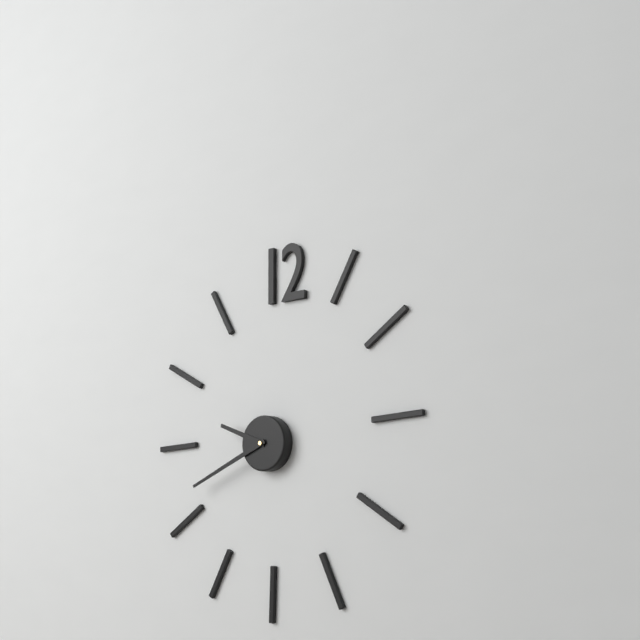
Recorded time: 9:41
